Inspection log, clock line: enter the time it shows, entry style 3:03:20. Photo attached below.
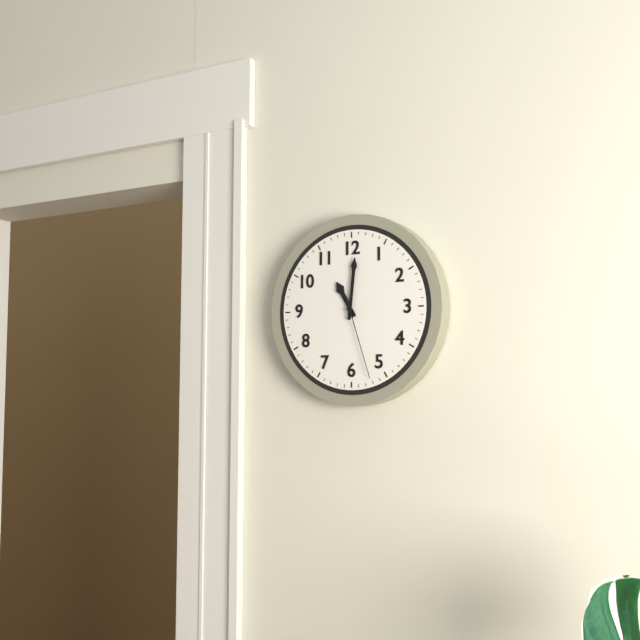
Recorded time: 11:01:27
